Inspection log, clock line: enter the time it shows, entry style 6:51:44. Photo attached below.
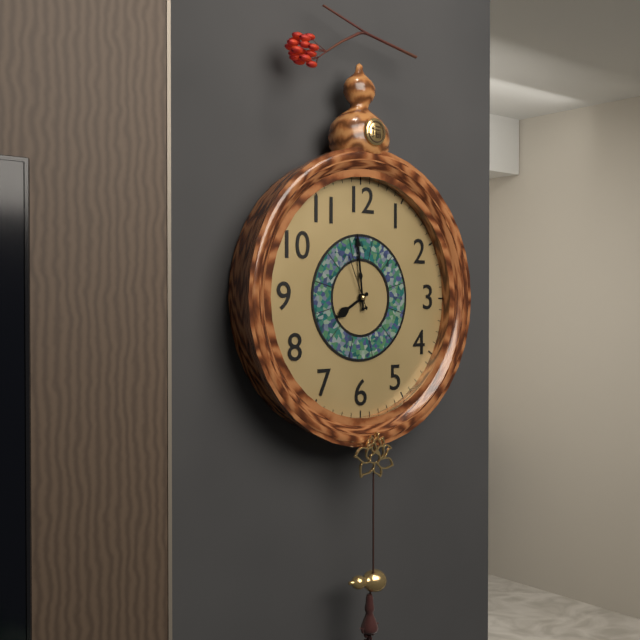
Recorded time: 7:59:56
